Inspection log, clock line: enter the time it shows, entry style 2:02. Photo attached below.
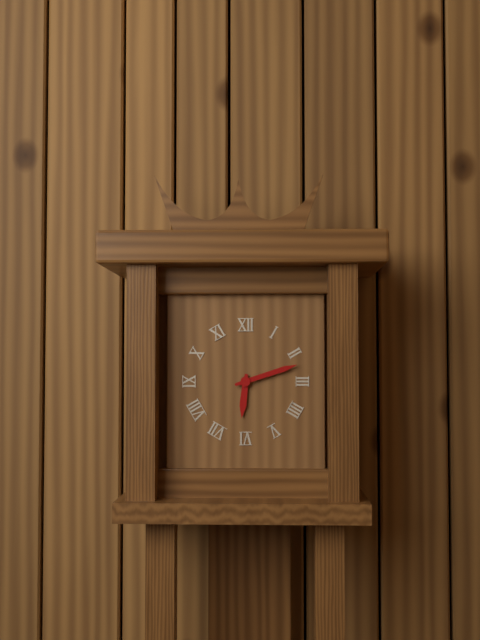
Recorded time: 6:12
